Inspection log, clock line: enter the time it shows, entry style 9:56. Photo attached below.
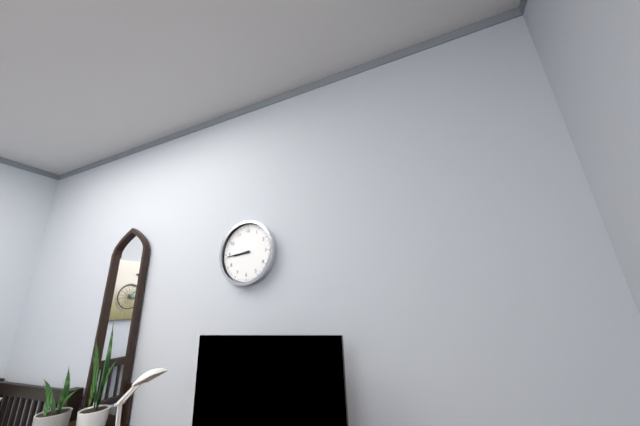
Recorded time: 8:44
